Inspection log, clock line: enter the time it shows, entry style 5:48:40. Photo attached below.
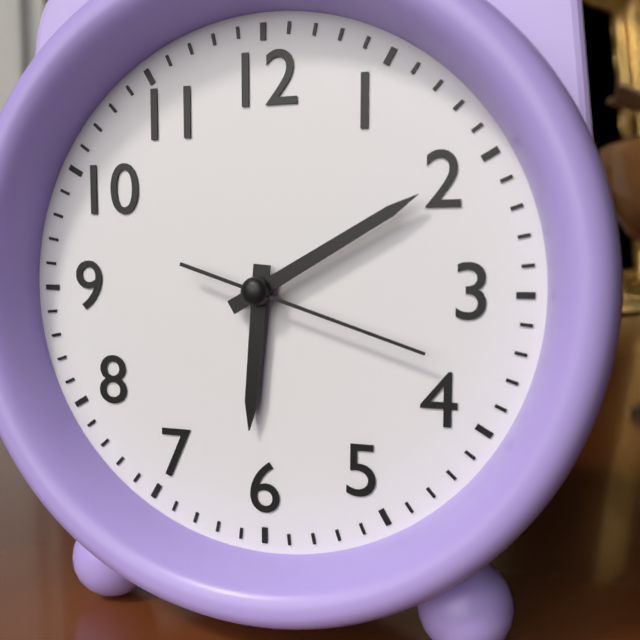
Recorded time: 6:10:18
